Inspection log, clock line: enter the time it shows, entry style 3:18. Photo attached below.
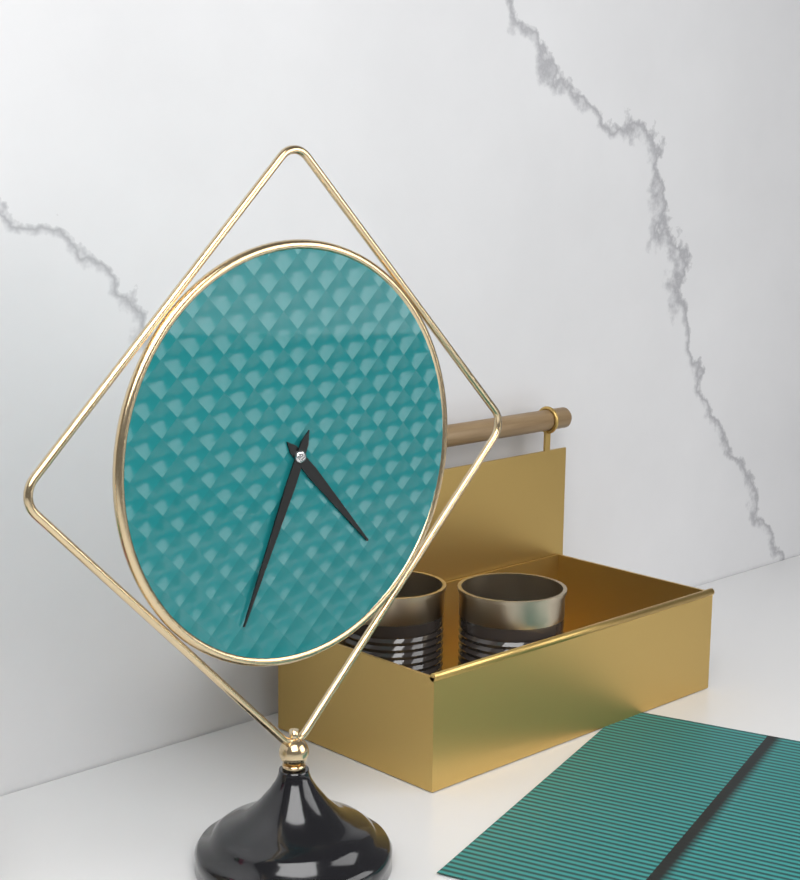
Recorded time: 4:34
